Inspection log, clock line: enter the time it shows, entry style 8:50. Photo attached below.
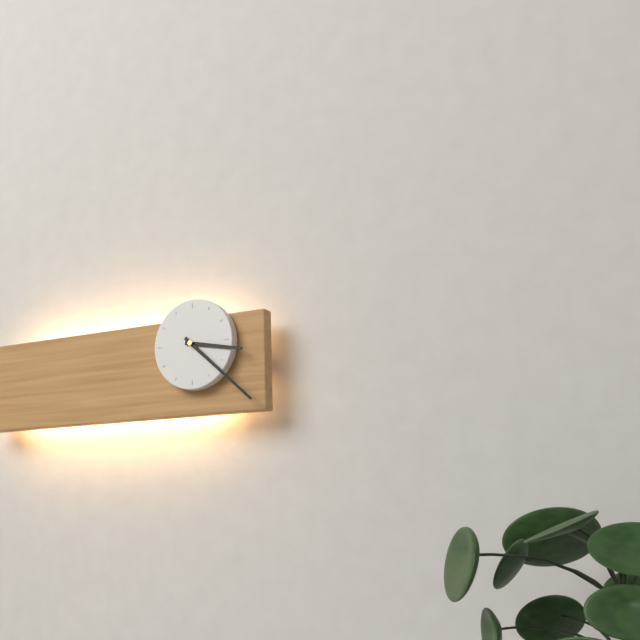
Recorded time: 3:22
